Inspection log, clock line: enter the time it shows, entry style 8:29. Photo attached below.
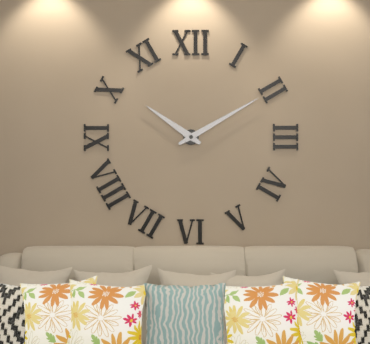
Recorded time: 10:10
